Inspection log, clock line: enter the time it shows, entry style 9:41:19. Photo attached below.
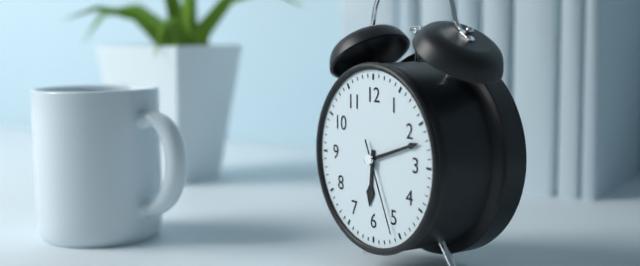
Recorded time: 6:12:26
